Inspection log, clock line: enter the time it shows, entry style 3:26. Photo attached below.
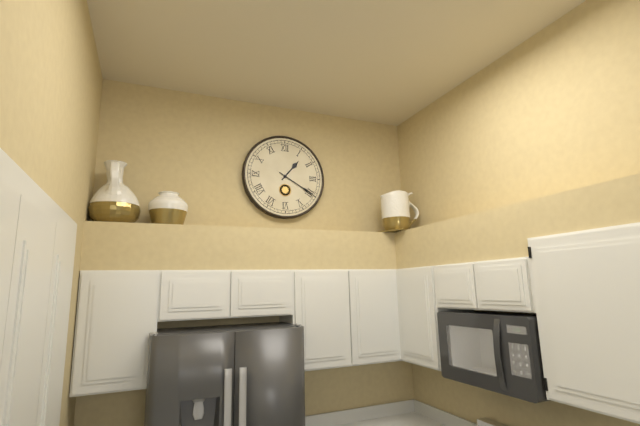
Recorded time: 1:20
